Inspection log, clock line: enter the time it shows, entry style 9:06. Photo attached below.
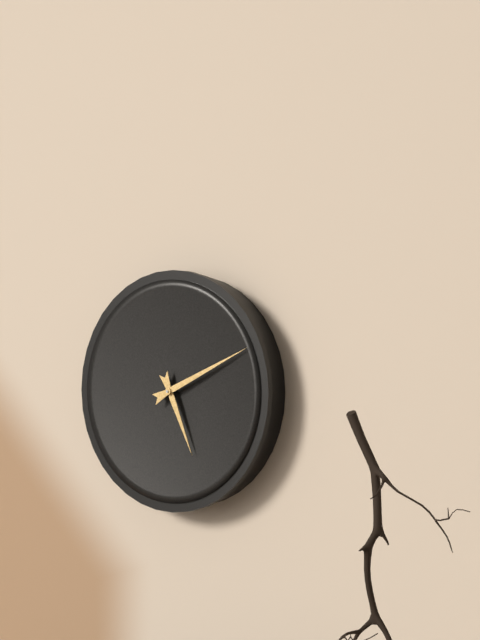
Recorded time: 5:11
